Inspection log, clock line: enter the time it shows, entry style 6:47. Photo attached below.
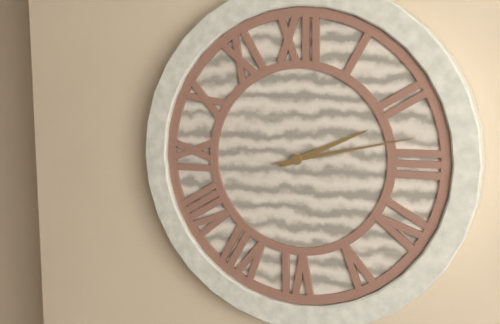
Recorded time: 2:13
